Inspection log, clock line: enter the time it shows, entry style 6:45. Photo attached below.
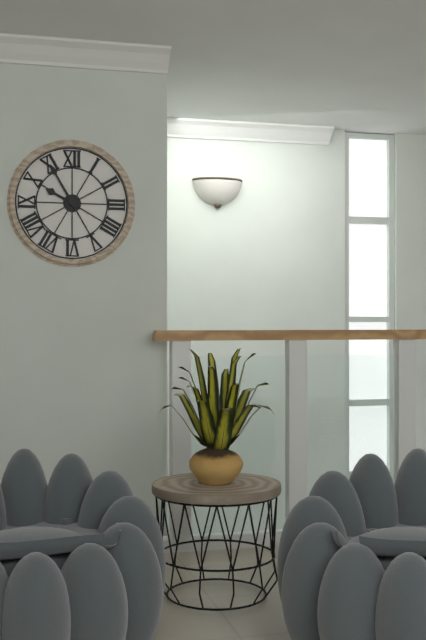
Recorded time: 9:55
